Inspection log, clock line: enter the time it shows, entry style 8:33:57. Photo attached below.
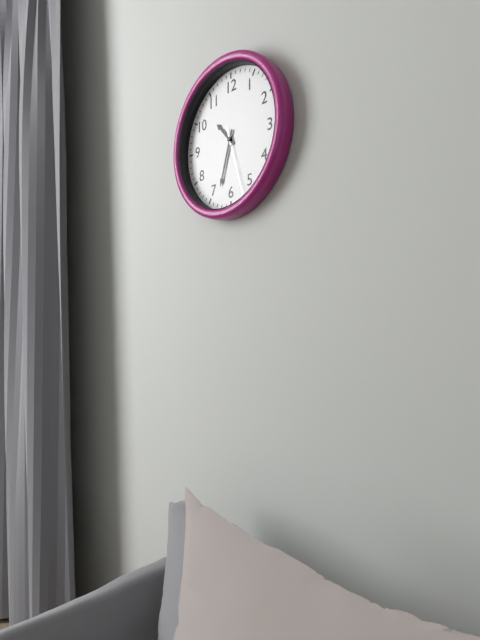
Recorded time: 10:33:27
